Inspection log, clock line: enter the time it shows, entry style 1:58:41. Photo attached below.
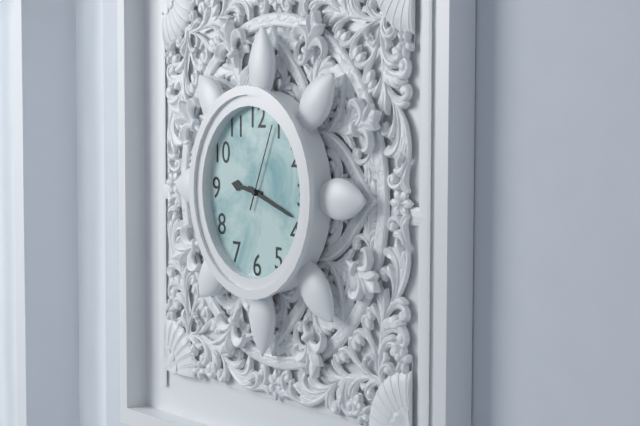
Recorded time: 9:18:04
